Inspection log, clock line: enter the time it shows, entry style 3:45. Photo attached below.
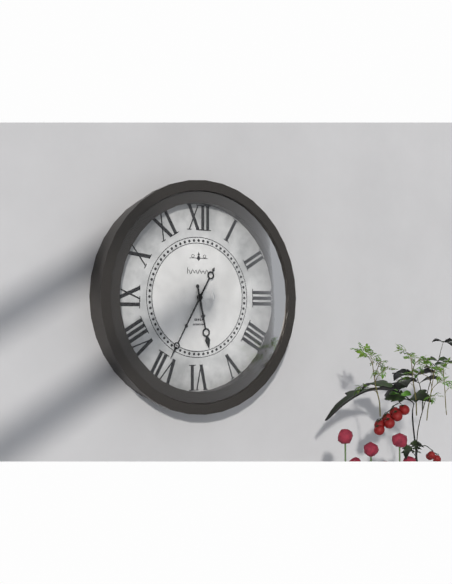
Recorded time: 5:35
